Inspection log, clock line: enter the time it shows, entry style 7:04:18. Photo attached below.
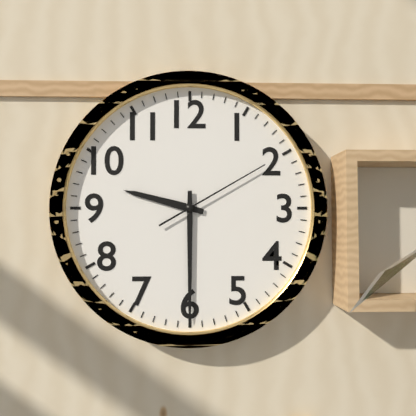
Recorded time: 9:30:10
